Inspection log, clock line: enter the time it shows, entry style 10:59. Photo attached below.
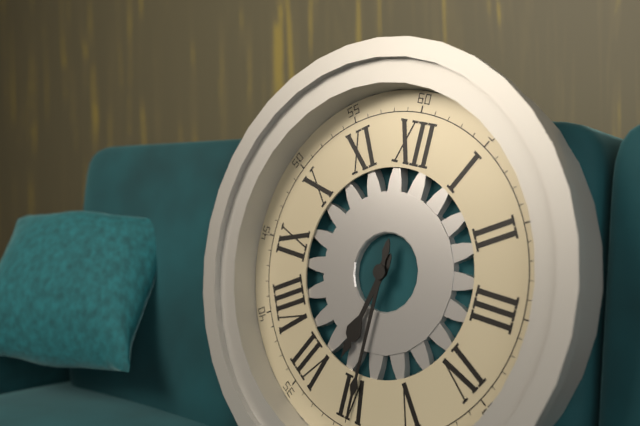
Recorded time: 6:30
